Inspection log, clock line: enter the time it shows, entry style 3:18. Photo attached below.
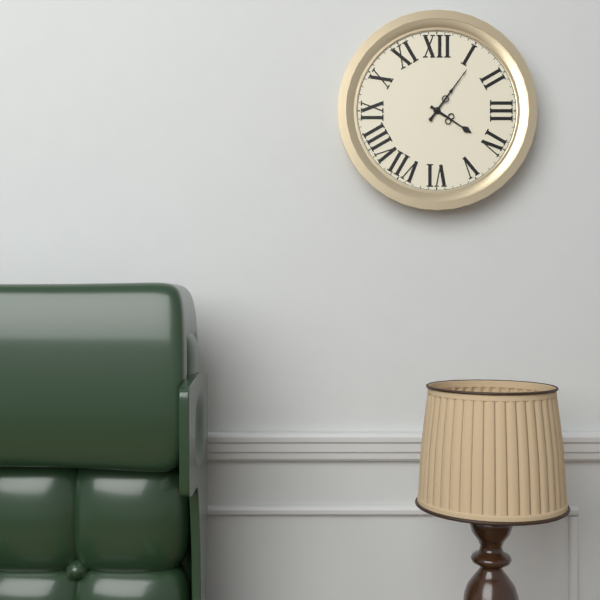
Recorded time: 4:06
